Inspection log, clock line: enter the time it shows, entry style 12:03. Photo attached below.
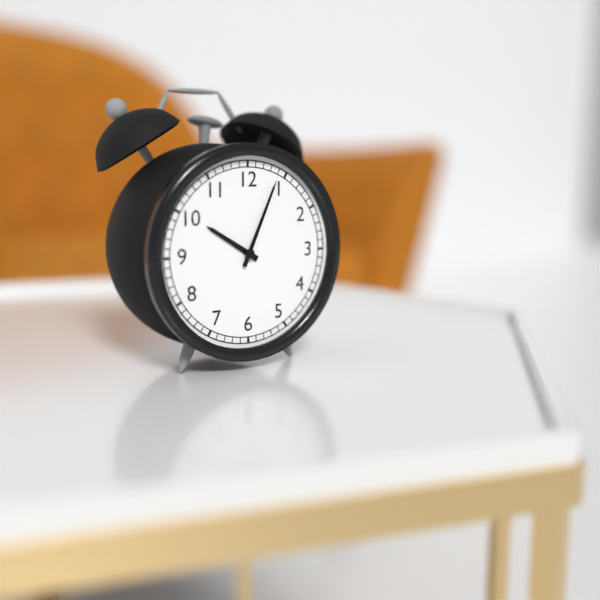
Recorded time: 10:04
